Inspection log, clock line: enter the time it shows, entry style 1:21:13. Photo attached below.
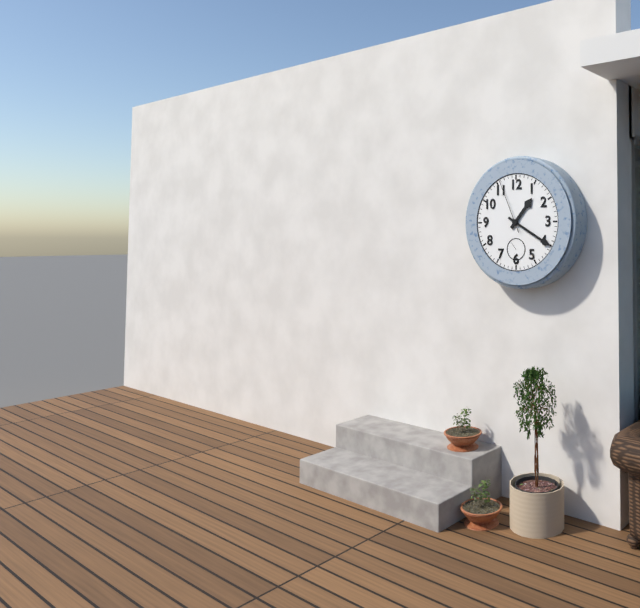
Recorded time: 1:20:56
